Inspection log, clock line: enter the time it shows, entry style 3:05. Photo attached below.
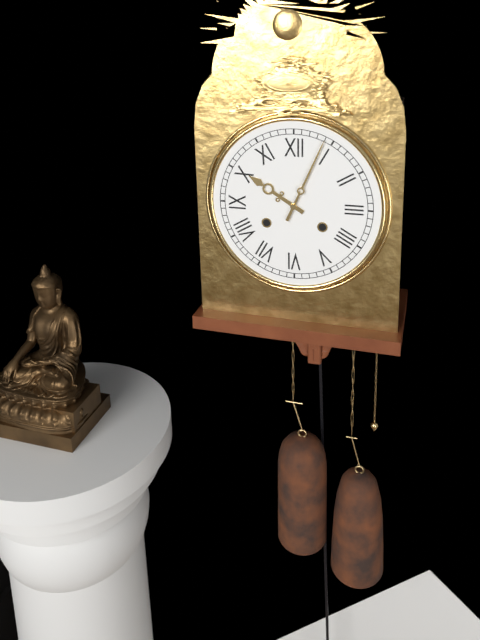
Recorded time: 10:04
